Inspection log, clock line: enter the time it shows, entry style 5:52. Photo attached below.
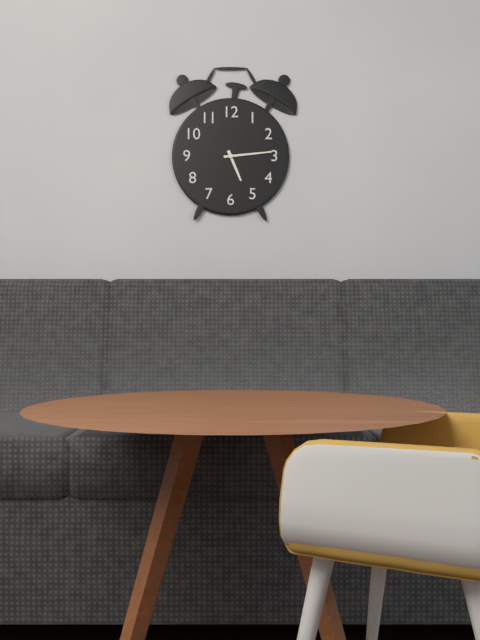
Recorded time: 5:14
